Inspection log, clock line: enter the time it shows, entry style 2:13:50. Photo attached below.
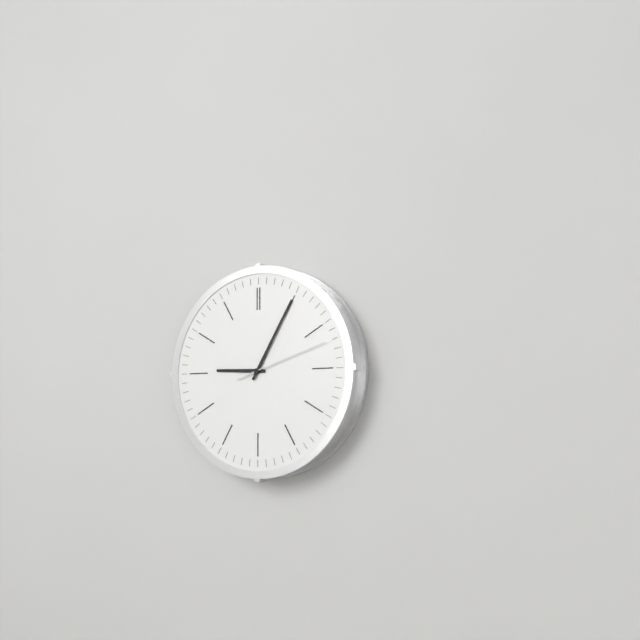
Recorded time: 9:05:12
